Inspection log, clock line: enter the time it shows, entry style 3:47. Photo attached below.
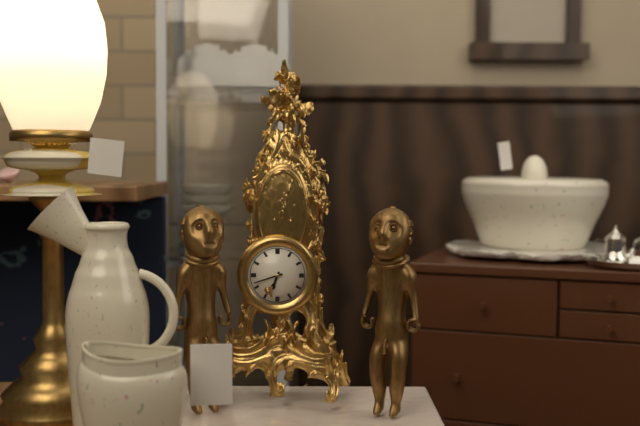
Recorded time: 6:42
